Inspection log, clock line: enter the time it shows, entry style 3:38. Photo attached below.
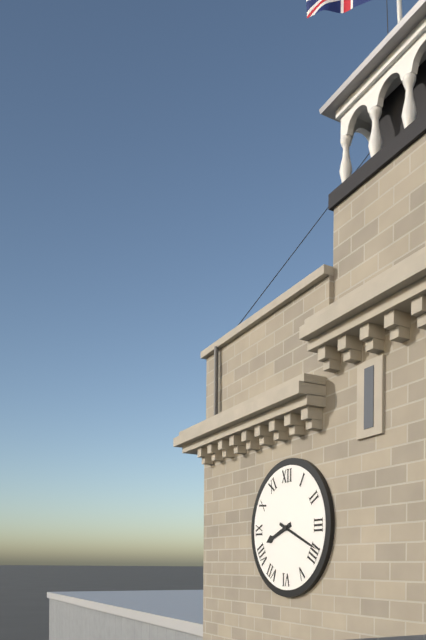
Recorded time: 8:19
